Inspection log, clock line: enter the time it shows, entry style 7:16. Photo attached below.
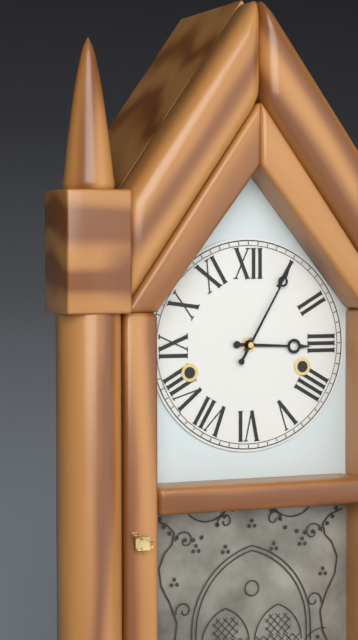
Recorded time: 3:05
